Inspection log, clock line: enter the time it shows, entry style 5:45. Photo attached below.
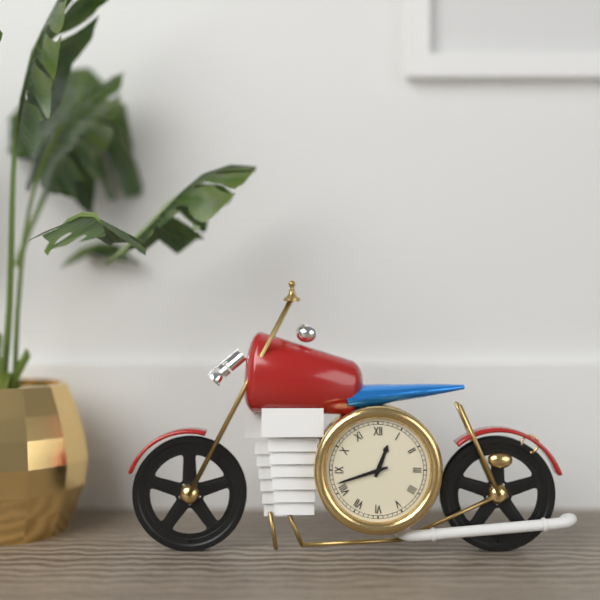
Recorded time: 12:42
